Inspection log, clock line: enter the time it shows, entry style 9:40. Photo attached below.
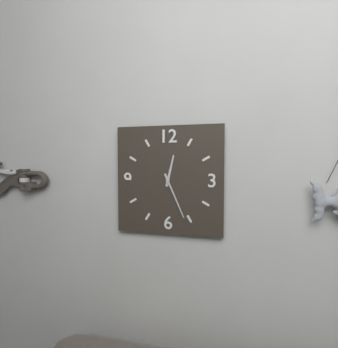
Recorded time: 12:26
